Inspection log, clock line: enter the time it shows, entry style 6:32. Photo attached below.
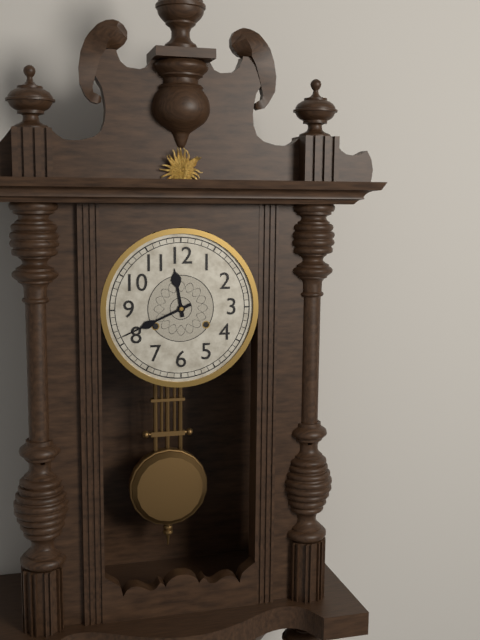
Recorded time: 11:41
